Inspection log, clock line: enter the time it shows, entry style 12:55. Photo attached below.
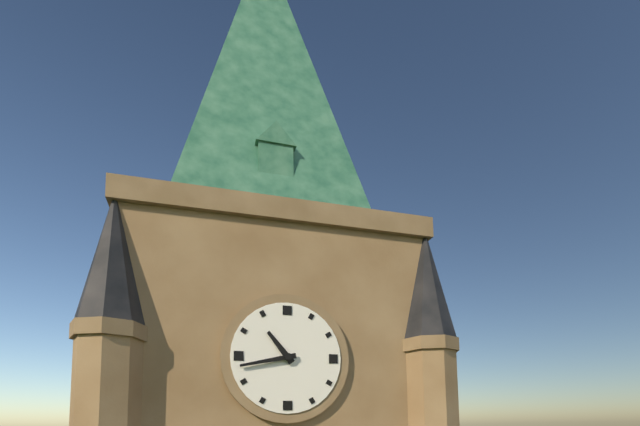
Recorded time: 10:43
